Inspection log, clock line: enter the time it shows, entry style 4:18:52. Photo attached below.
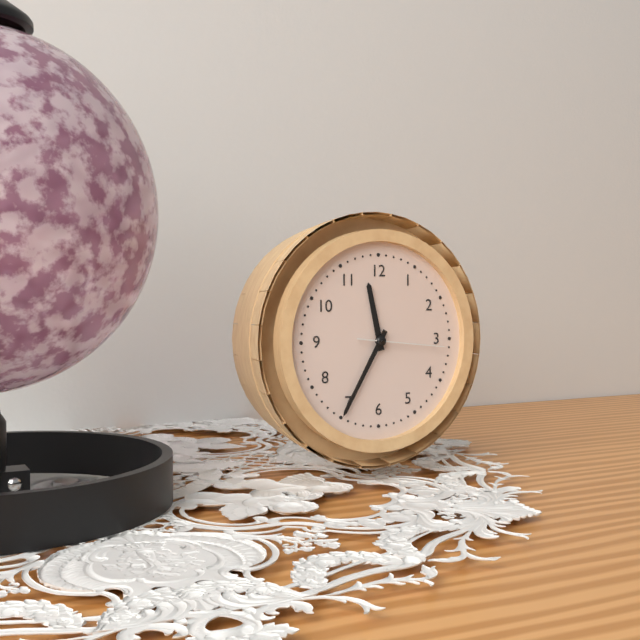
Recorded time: 11:35:16
